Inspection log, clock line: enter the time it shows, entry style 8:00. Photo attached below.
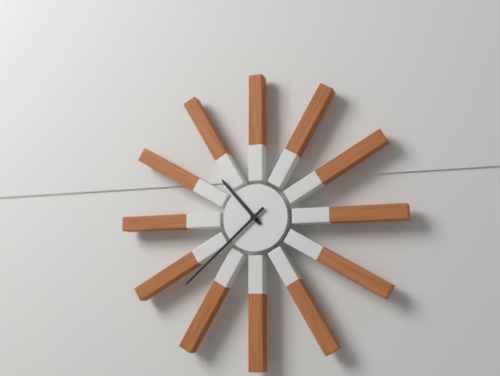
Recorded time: 10:38
